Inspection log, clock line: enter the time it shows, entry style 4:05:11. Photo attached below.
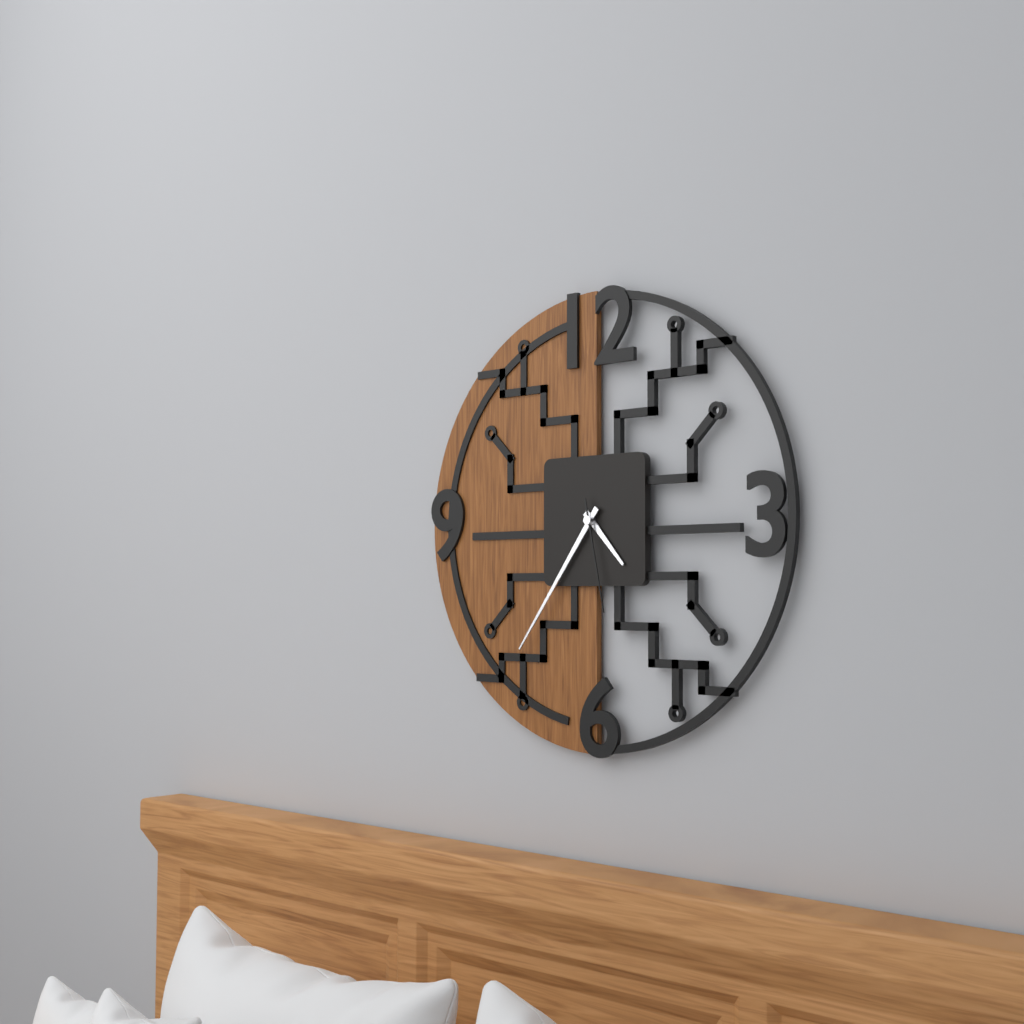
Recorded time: 4:36:28
